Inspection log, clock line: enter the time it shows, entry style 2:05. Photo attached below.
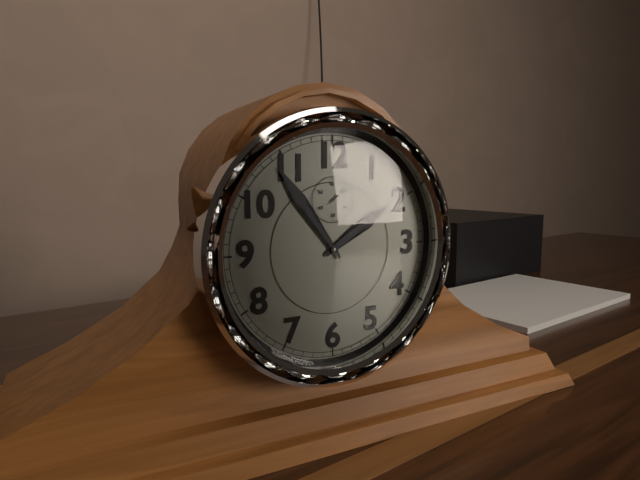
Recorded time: 1:54
